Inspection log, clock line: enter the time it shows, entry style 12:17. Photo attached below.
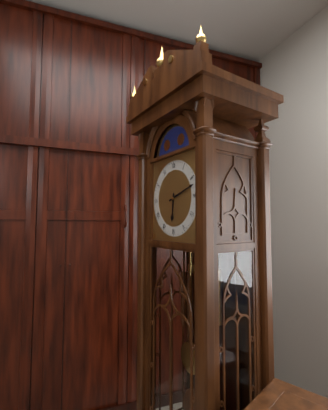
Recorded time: 6:12
